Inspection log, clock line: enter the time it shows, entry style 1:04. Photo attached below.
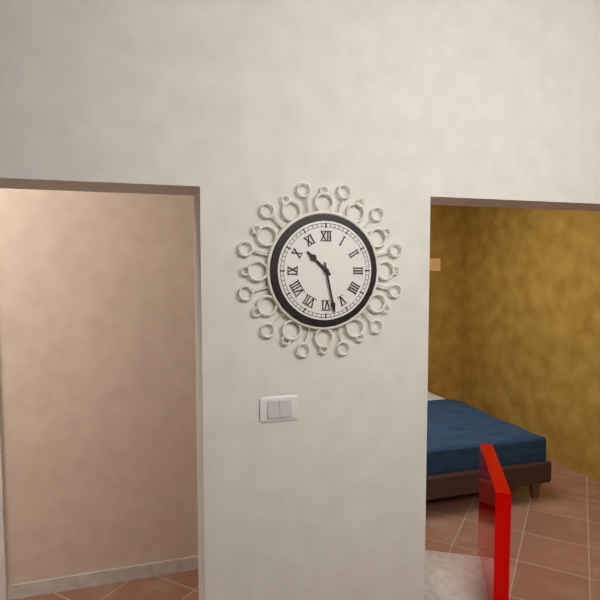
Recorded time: 10:28
